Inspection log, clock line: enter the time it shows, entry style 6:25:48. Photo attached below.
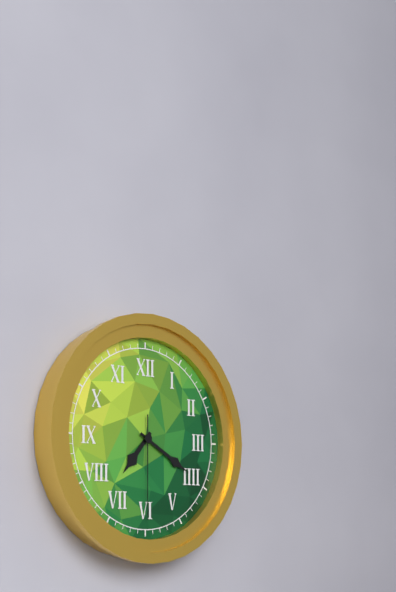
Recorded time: 7:20:30
